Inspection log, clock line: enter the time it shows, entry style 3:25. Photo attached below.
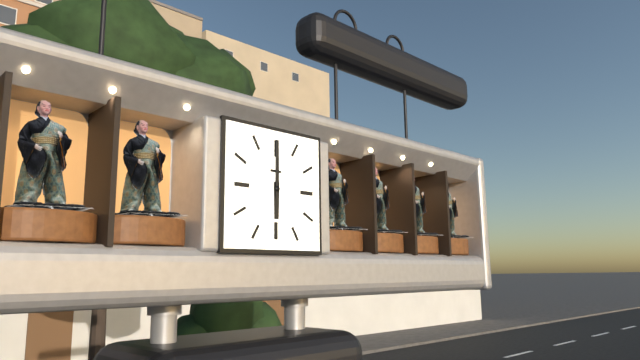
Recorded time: 6:00
